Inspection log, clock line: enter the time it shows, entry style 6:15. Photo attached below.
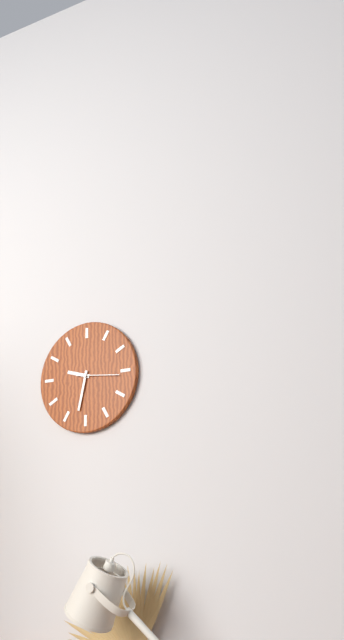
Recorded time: 9:32
